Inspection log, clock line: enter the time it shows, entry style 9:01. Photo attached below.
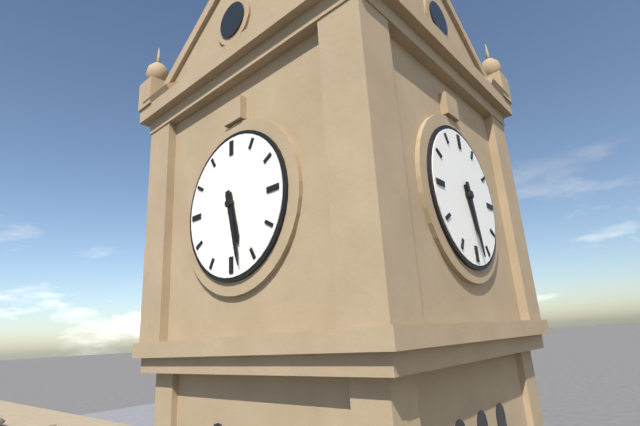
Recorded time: 5:28
